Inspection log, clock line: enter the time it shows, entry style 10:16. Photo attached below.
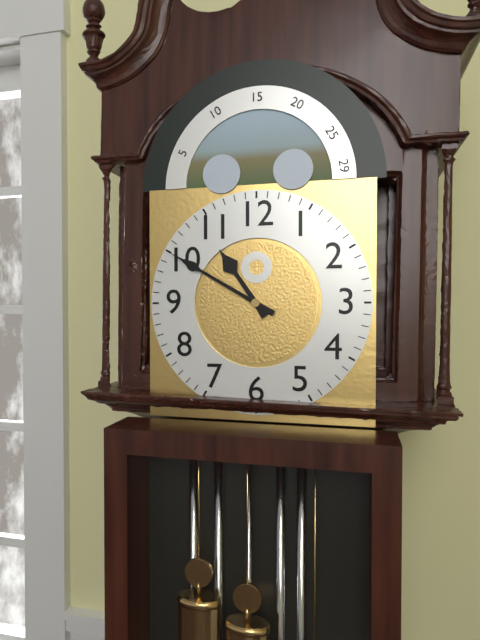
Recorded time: 10:50
